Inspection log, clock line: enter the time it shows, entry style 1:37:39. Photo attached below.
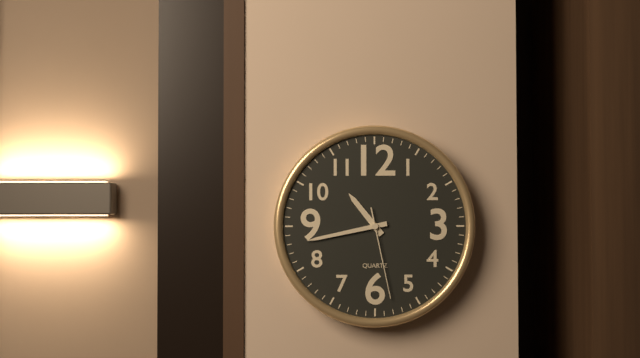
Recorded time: 10:43:28
